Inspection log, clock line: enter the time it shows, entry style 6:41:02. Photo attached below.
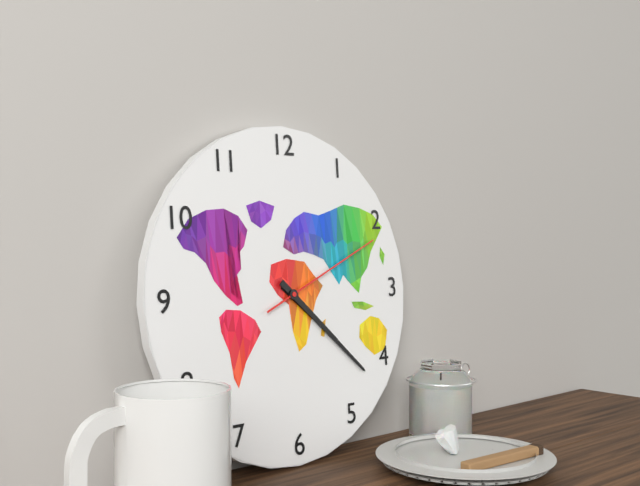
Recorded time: 4:22:11
